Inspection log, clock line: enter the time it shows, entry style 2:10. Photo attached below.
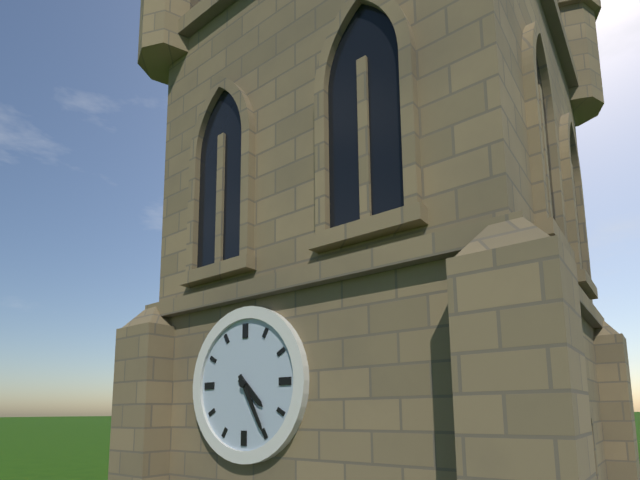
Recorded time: 4:25
